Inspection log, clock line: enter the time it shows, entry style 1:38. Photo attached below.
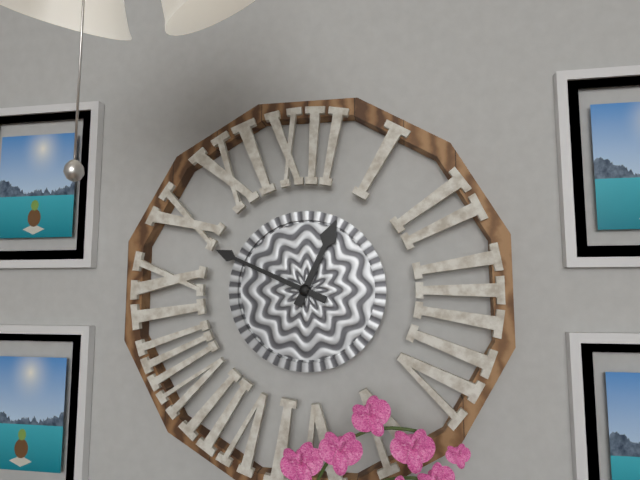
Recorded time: 12:49
